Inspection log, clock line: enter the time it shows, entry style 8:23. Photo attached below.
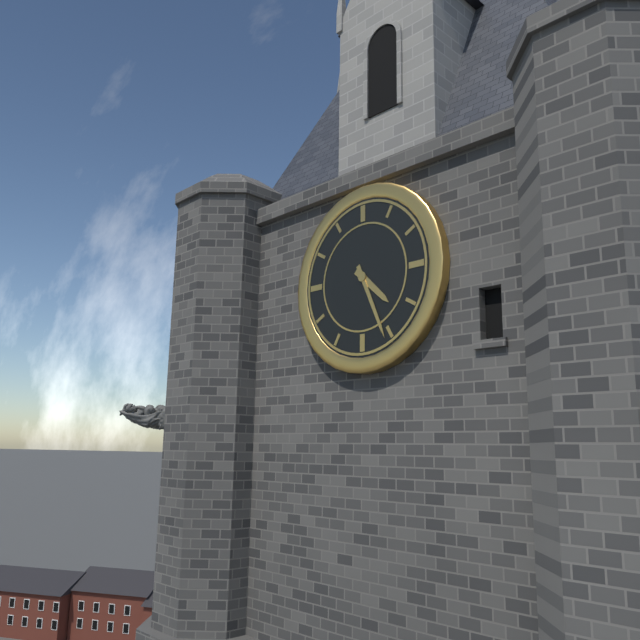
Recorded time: 4:26
